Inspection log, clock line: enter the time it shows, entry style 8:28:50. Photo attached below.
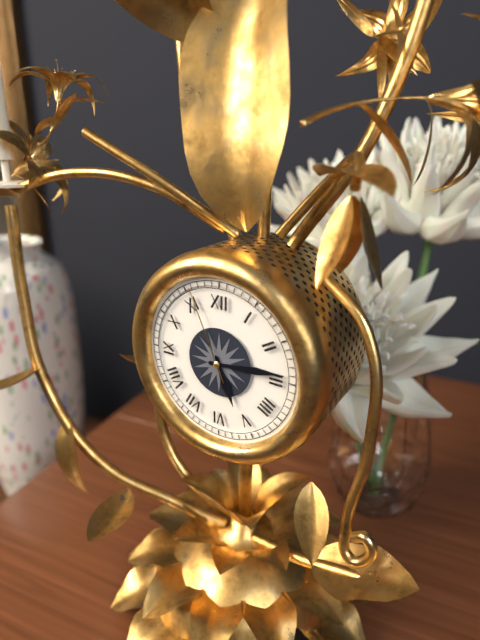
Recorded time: 5:14:56
